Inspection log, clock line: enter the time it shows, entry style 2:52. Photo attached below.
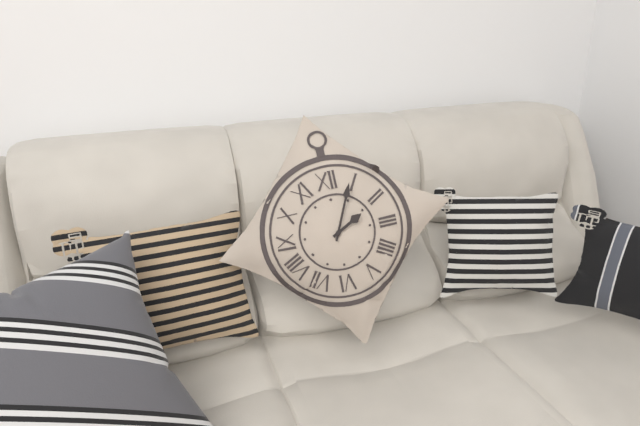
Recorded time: 2:04
